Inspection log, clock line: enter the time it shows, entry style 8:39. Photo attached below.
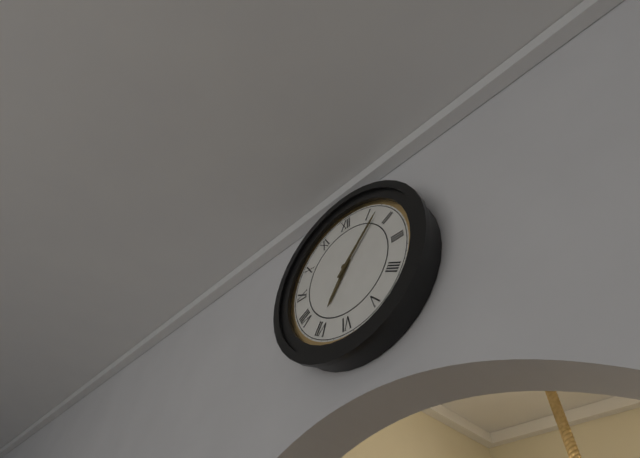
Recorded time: 7:07
